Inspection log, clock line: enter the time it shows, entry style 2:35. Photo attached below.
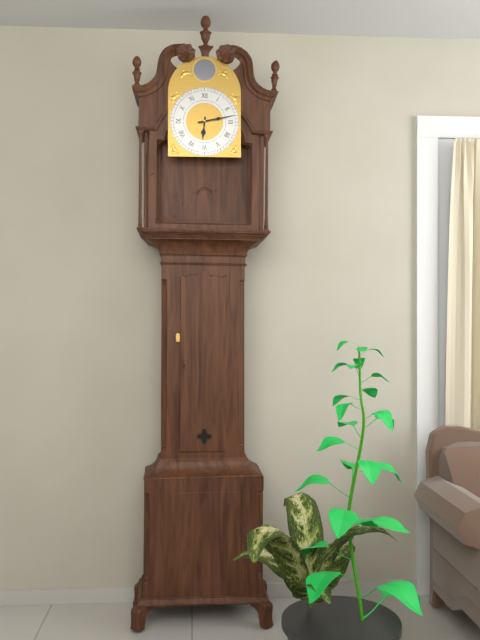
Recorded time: 6:13
